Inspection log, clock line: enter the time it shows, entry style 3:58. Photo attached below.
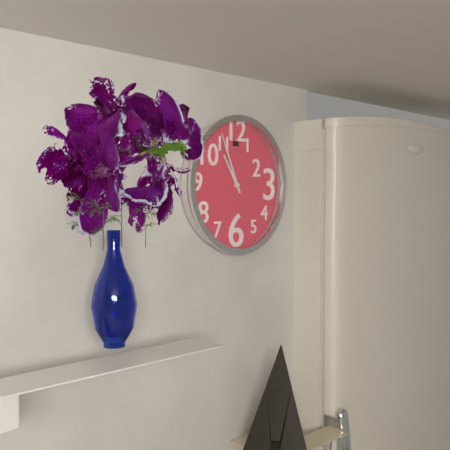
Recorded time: 10:56
